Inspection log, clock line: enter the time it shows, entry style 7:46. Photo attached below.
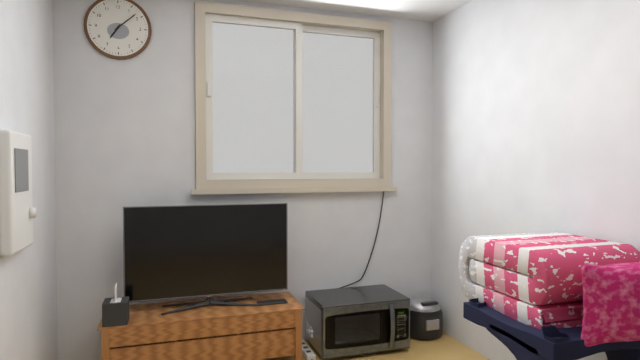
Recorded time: 7:08
